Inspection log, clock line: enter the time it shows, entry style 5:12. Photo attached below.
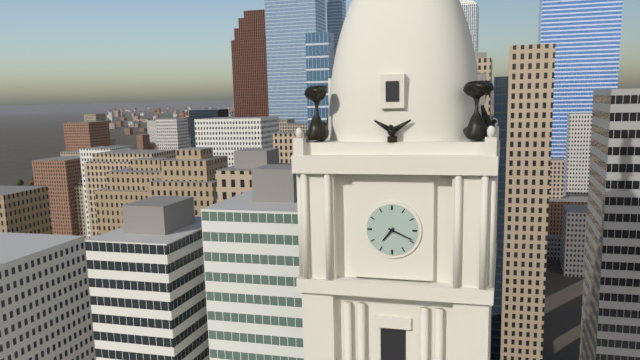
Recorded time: 7:19
